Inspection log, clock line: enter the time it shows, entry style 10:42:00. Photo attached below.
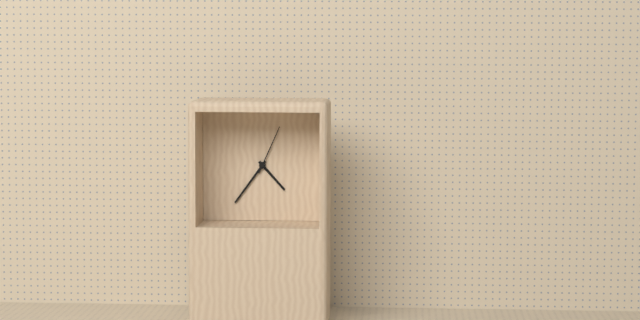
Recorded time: 4:36:04
